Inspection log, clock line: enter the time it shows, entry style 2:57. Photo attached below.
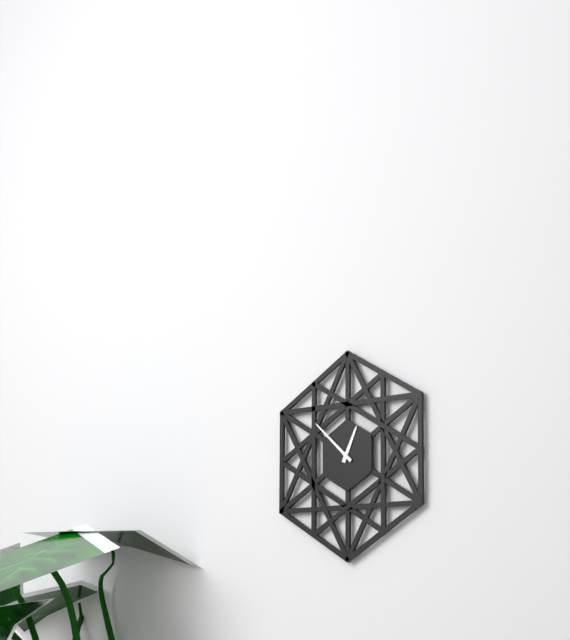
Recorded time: 12:52
